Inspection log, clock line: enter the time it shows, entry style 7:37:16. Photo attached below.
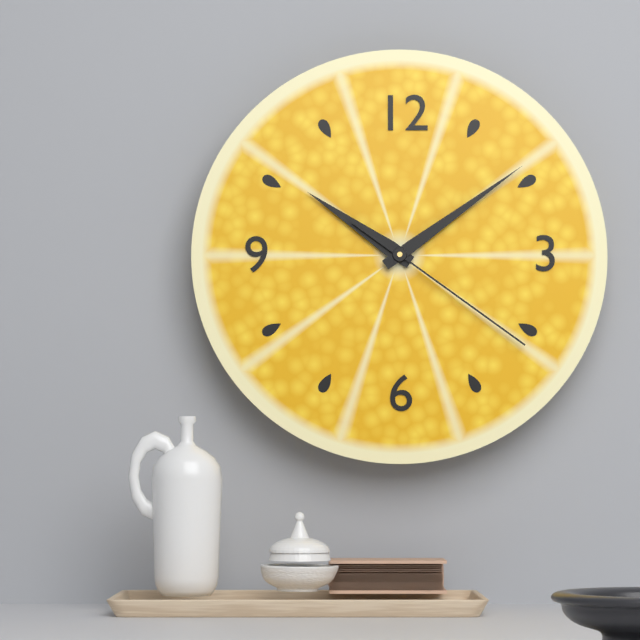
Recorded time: 10:09:21
